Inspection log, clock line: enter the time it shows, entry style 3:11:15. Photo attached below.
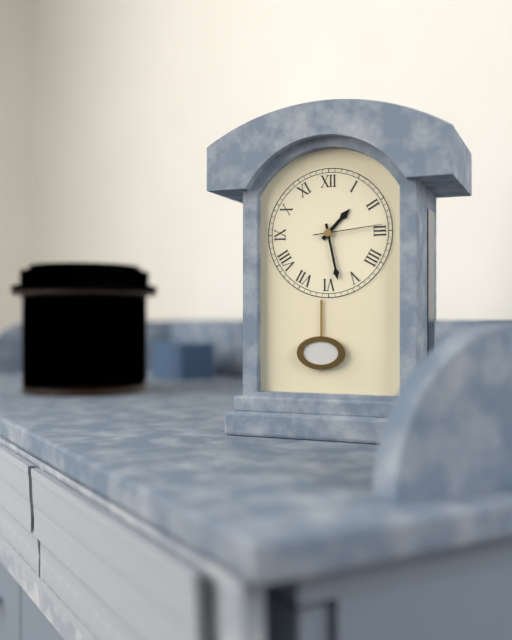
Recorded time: 1:28:14
